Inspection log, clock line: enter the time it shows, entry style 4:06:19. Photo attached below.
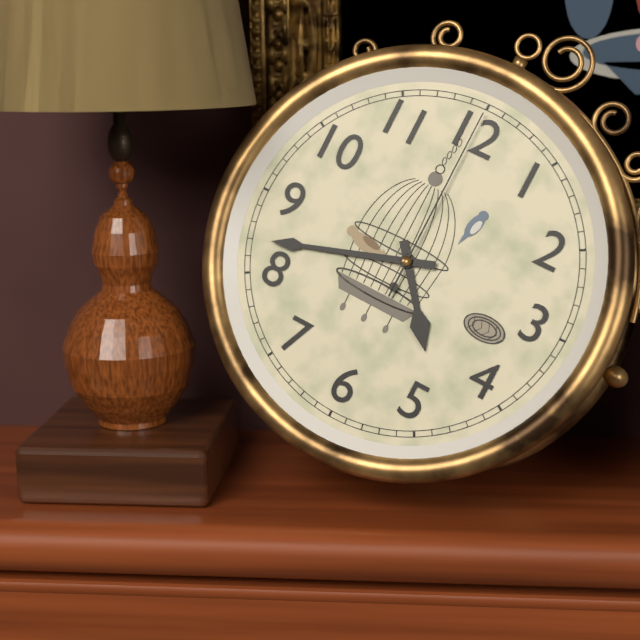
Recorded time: 4:42:00
